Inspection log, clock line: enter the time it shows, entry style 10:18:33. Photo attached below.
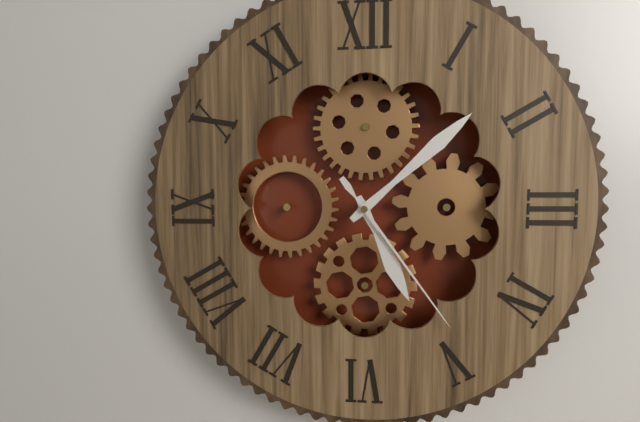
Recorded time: 5:08:24
